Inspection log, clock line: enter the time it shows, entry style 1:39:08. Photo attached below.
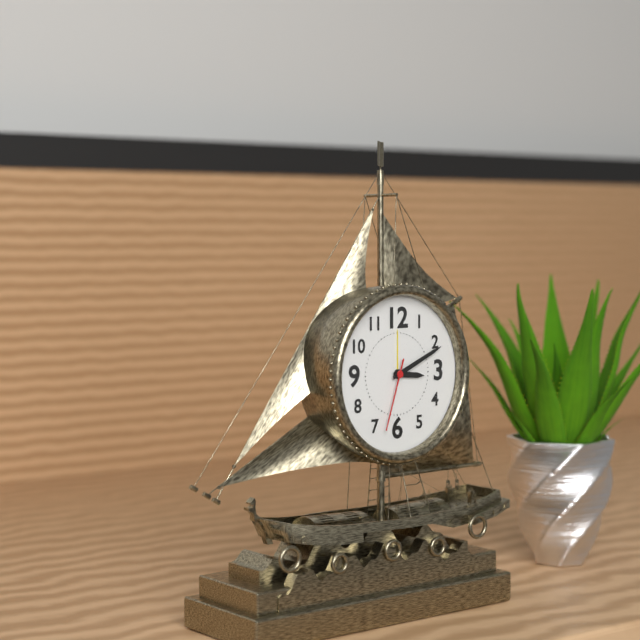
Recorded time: 3:11:33
